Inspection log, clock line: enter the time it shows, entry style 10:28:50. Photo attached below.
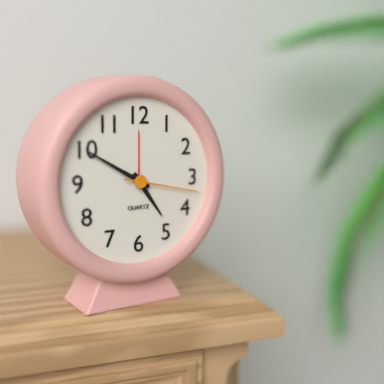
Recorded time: 4:50:17
